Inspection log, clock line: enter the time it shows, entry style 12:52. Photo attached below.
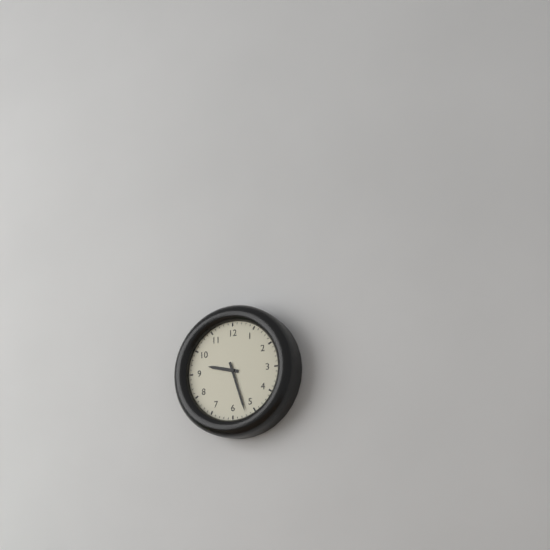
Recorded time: 9:27
